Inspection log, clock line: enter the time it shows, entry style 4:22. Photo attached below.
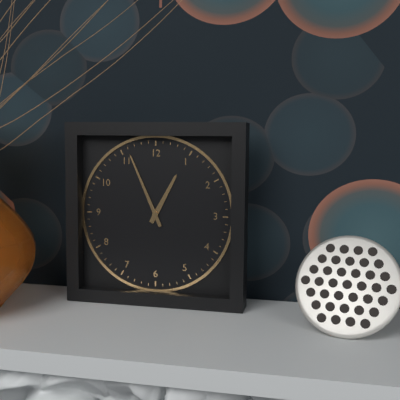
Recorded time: 12:56
